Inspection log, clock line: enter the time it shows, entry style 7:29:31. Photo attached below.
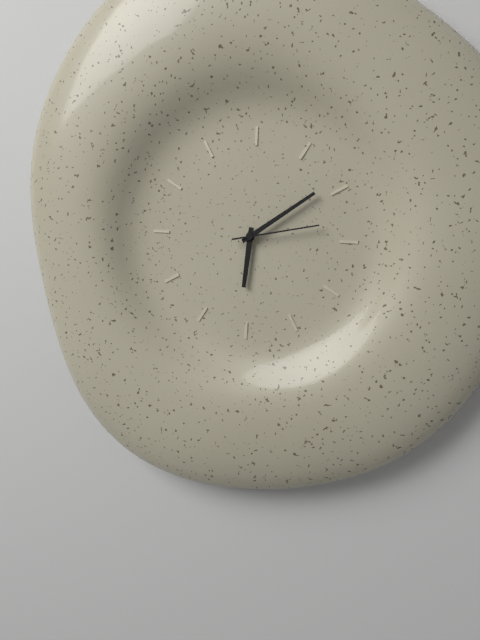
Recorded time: 6:09:13
